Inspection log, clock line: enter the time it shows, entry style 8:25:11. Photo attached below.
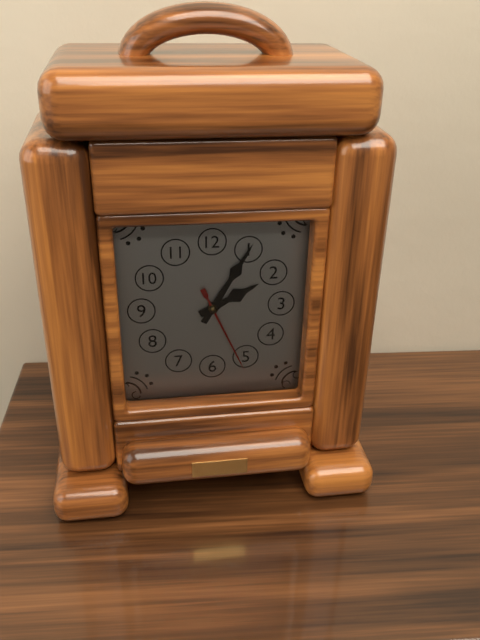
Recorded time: 2:05:26
